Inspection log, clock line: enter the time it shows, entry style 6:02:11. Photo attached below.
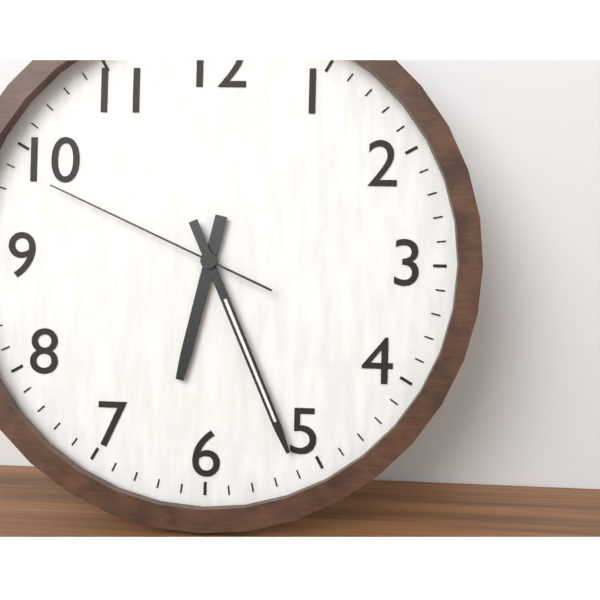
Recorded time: 6:26:49
